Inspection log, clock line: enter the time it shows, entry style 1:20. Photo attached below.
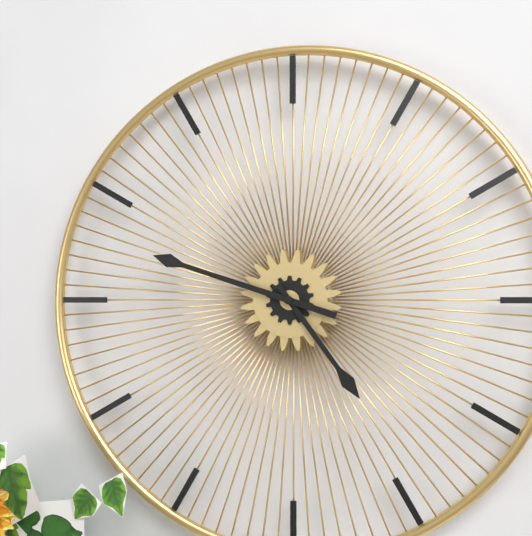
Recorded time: 4:48
